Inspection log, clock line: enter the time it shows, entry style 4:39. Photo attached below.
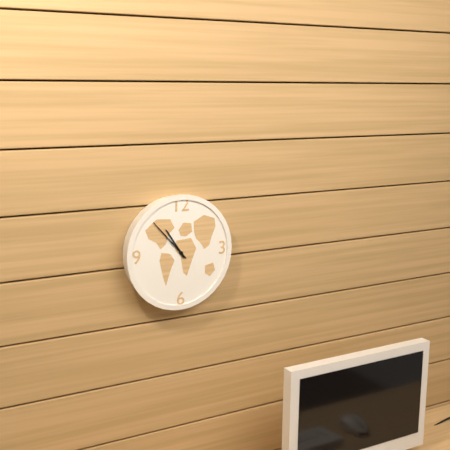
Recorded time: 10:53
